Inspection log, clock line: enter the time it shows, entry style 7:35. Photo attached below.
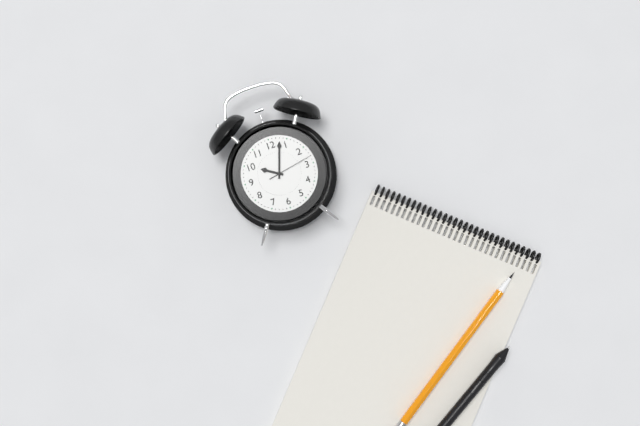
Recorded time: 10:03
